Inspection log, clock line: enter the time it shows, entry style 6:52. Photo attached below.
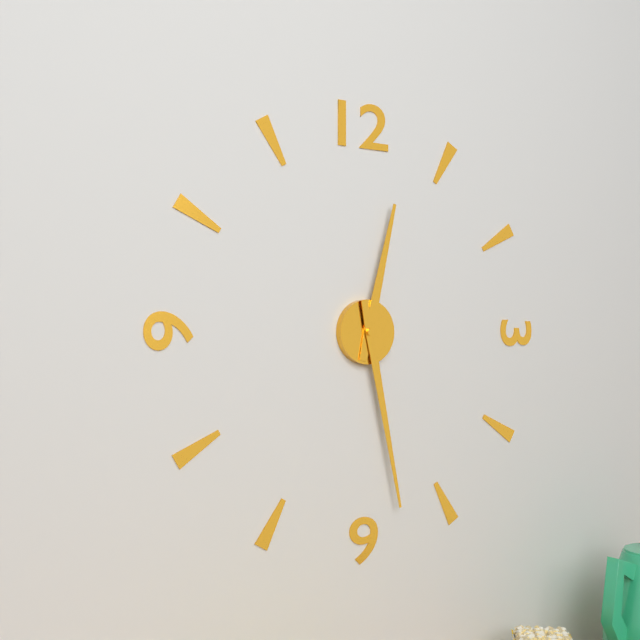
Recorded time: 12:28
